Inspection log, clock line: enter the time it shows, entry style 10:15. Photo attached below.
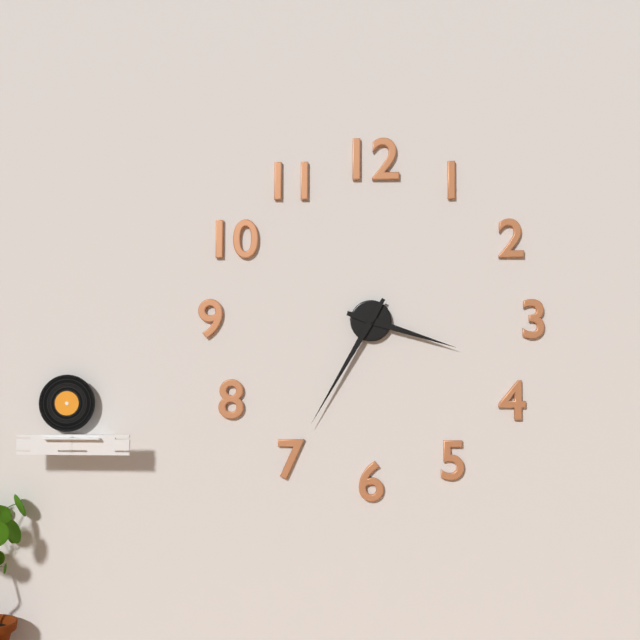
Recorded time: 3:35
